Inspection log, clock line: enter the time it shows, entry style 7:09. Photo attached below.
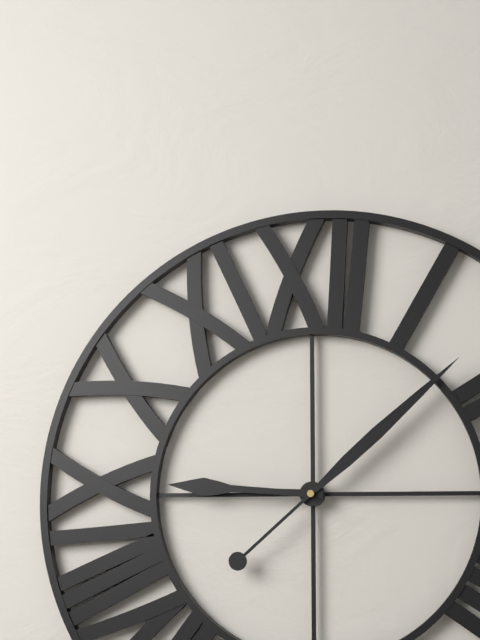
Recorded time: 9:08
